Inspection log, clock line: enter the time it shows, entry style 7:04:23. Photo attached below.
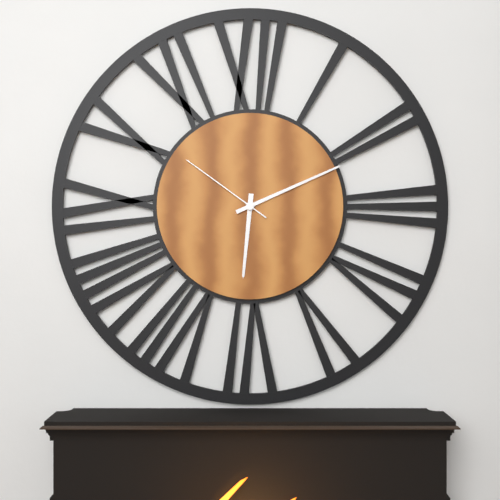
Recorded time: 6:11:51
